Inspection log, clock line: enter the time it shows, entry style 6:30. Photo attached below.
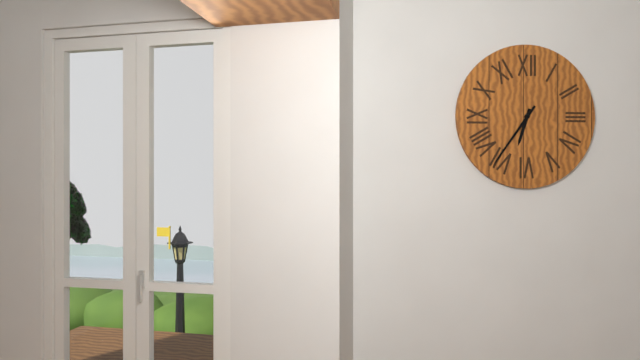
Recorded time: 6:36
